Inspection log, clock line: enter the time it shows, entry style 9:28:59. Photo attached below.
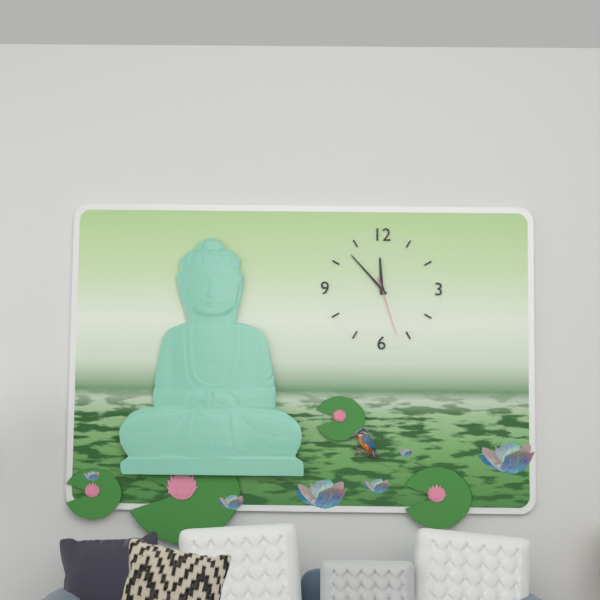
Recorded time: 11:53:27
